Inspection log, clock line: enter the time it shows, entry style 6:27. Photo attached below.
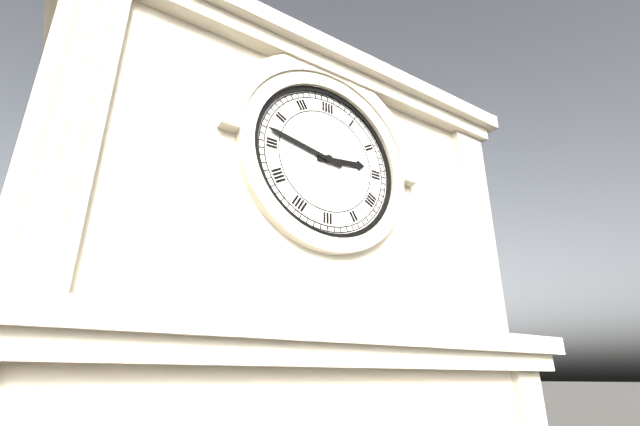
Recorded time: 2:47
